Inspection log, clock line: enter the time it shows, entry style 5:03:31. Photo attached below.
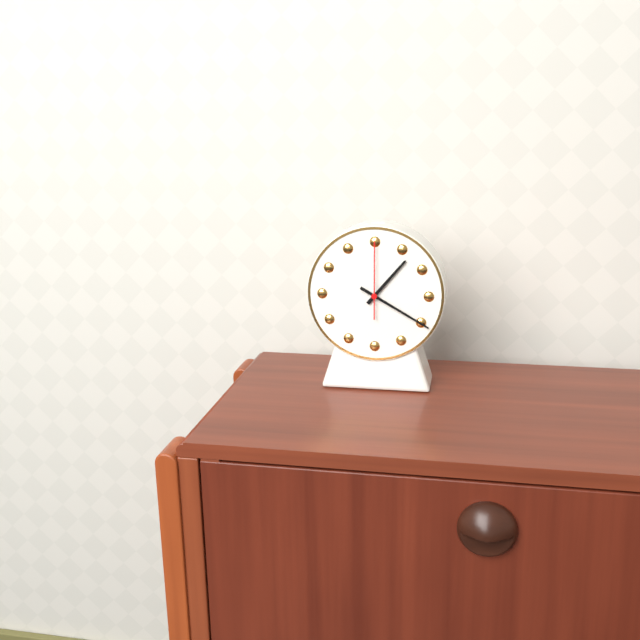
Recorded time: 1:20:00
